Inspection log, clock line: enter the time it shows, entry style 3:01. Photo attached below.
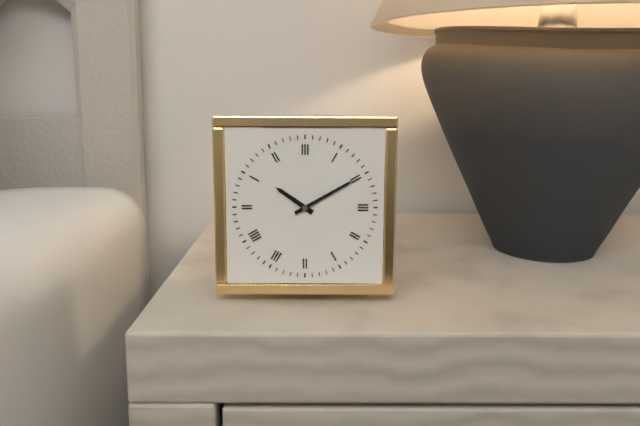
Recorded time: 10:10
